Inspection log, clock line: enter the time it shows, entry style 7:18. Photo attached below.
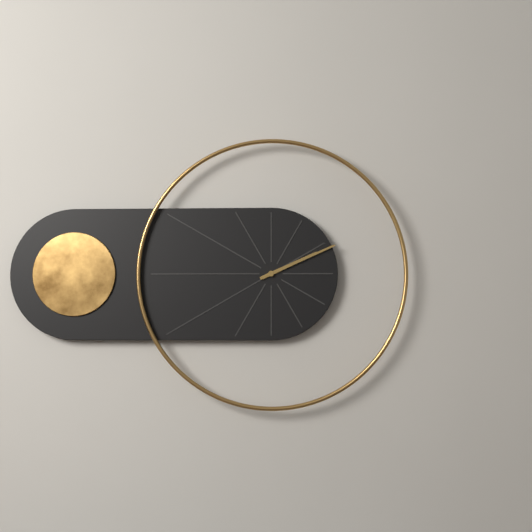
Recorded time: 2:11
